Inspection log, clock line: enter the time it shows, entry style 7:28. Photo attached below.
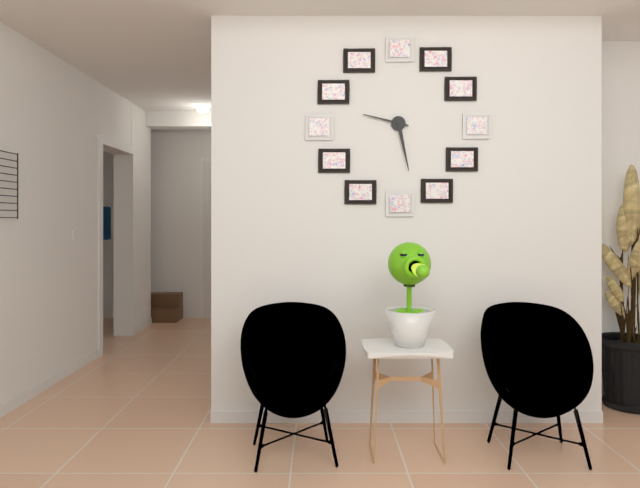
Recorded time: 9:28
